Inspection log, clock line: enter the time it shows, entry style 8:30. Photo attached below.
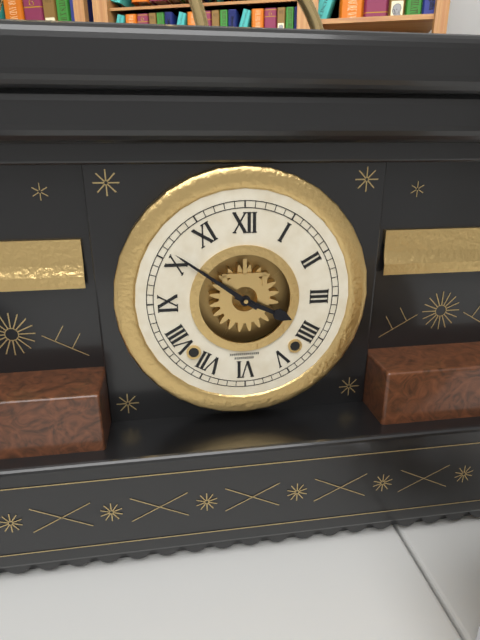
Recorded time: 3:51
